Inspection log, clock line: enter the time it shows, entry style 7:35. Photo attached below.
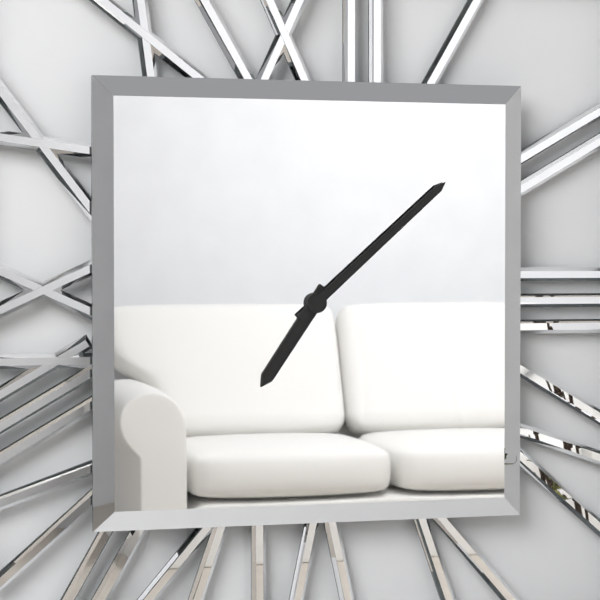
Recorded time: 7:08
